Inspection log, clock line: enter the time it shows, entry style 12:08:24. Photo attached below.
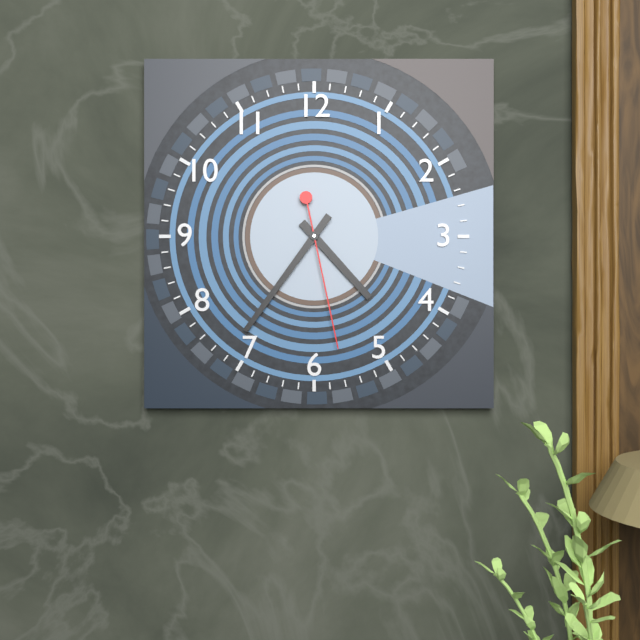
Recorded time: 4:36:28
